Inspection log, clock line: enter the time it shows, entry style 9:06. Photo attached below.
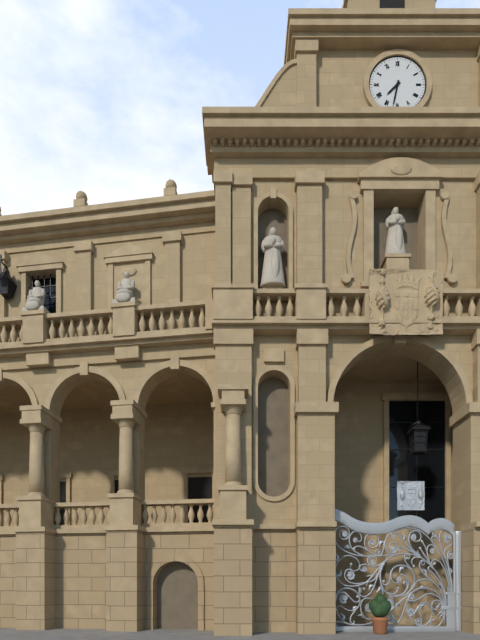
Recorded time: 7:32
